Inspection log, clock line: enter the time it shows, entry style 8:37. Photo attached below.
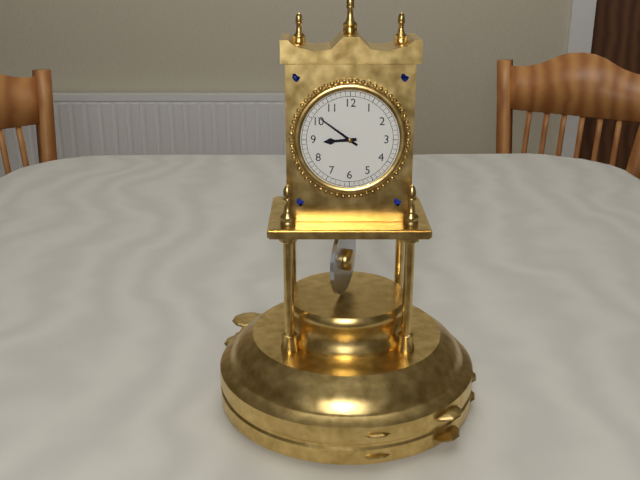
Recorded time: 8:51
